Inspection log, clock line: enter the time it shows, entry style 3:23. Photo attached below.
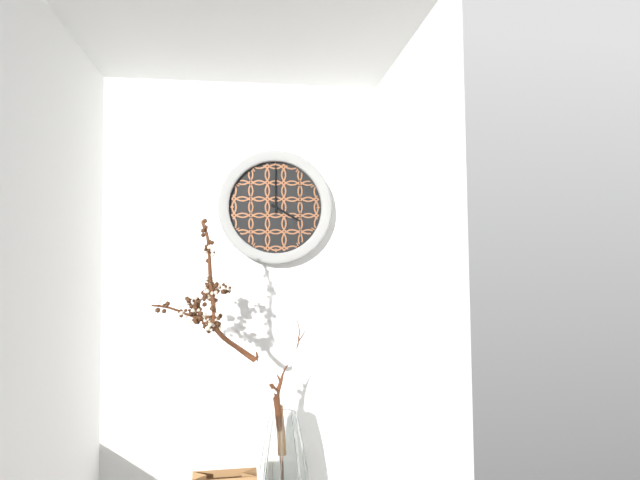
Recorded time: 4:00
